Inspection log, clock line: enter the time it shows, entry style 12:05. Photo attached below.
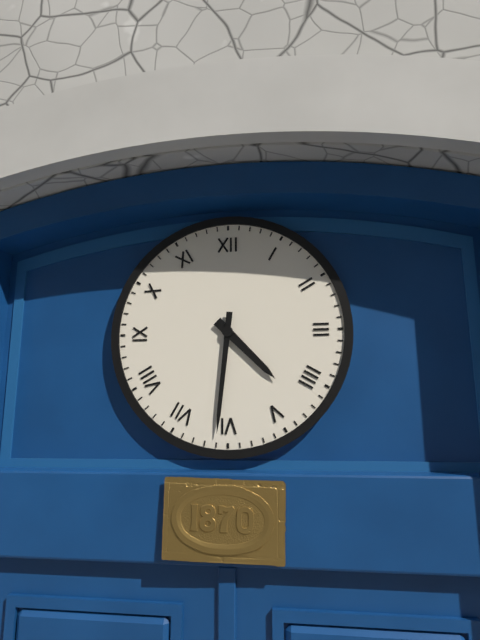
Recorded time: 4:31
